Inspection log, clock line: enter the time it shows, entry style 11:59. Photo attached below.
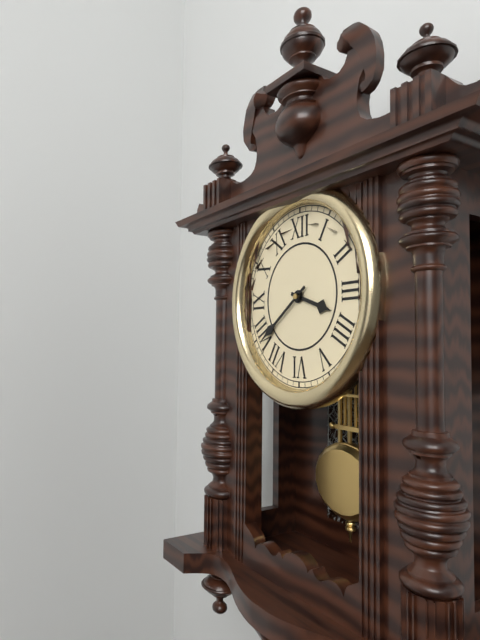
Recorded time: 3:39
